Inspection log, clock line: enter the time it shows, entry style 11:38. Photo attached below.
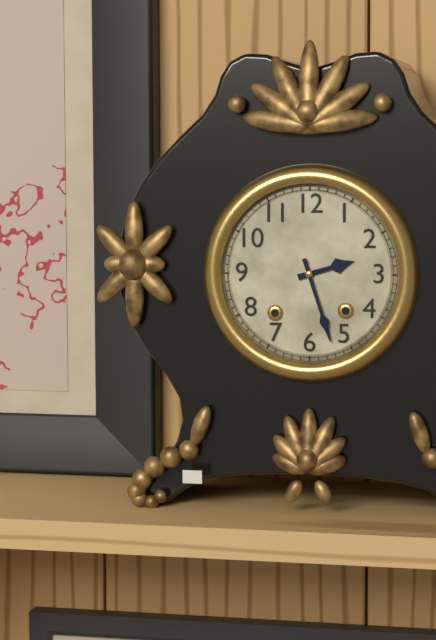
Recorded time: 2:27
